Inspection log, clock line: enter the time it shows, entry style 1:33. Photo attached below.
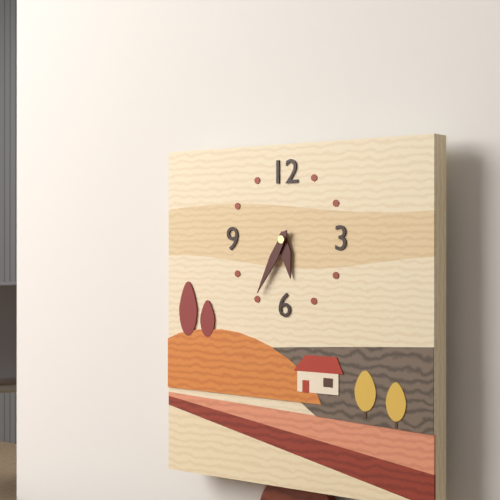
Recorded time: 5:35
